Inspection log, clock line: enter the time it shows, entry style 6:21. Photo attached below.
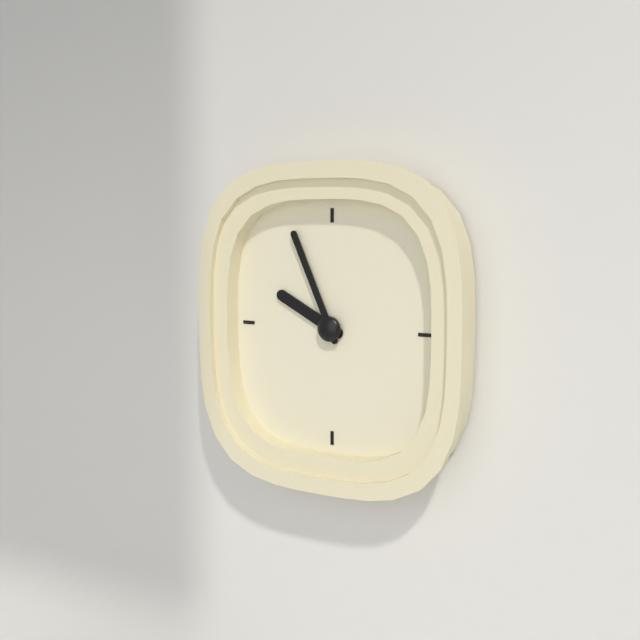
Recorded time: 9:56
